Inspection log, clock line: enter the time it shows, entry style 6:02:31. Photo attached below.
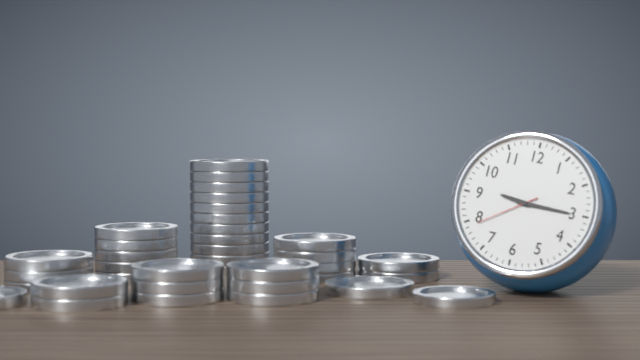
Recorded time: 9:15:39
